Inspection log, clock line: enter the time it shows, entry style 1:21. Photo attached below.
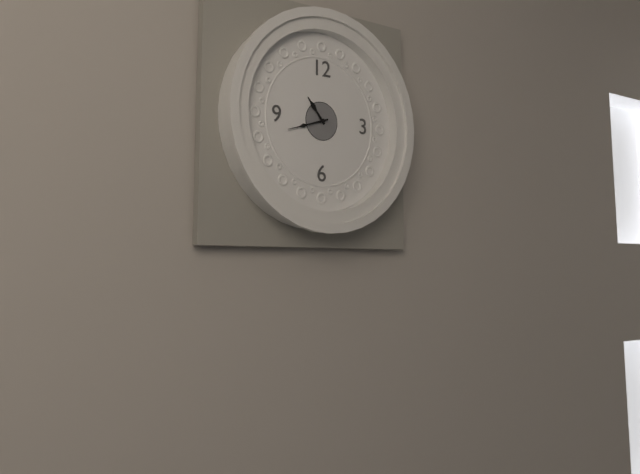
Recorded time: 10:42
